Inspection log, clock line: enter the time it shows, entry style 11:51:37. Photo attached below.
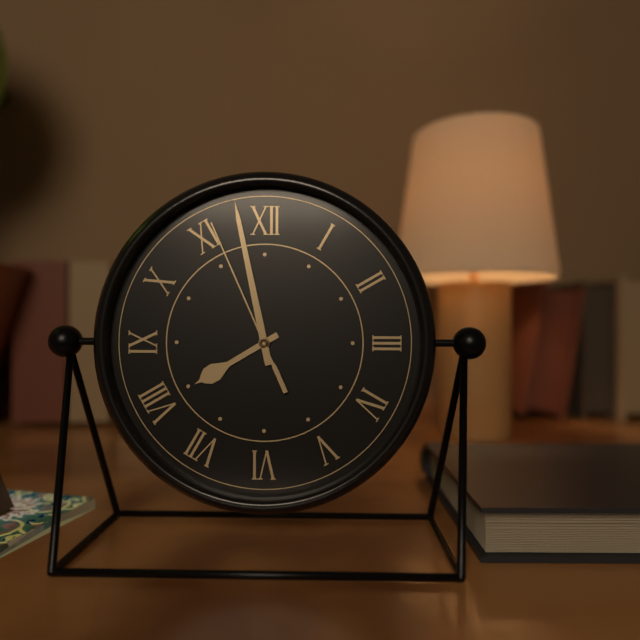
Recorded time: 7:58:56
